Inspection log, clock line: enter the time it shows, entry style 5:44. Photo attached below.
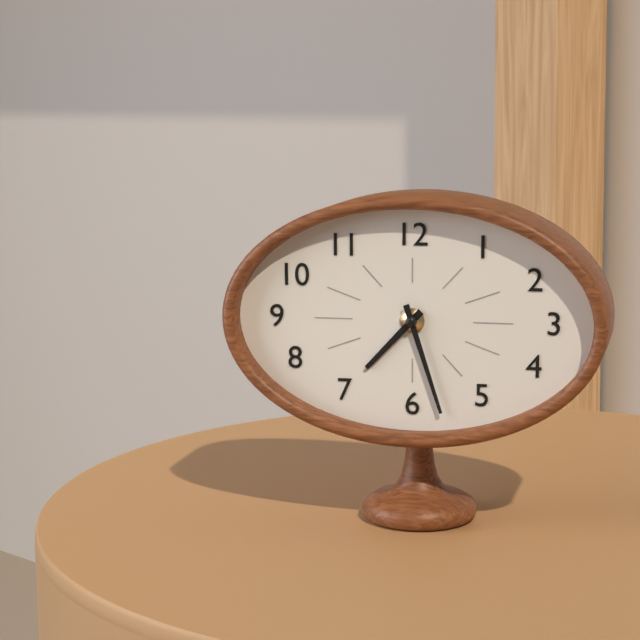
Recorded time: 7:27
